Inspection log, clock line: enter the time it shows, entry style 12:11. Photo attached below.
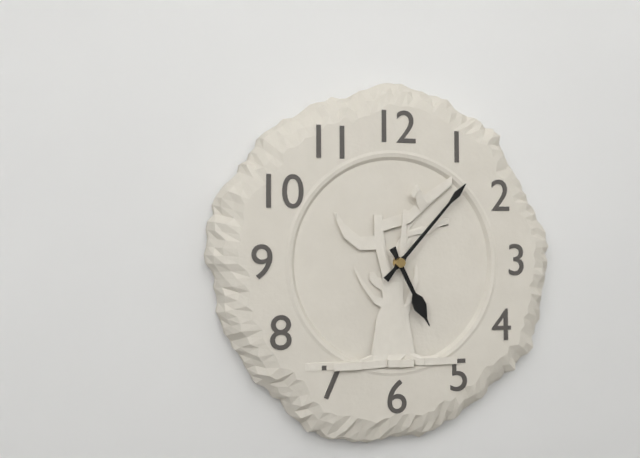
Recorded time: 5:07
